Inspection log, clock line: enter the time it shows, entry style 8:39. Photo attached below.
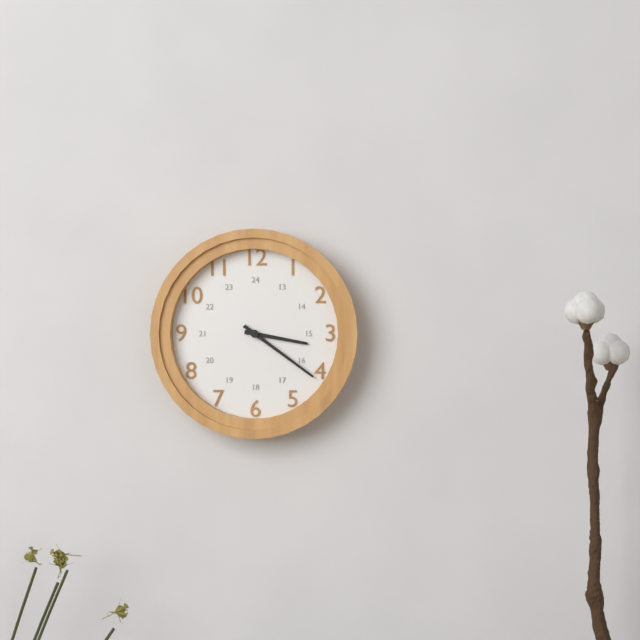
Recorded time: 3:21
